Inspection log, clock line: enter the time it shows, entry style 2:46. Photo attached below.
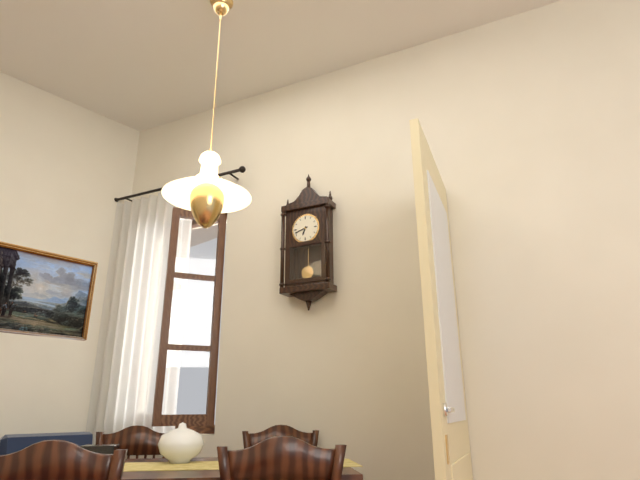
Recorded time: 6:42
